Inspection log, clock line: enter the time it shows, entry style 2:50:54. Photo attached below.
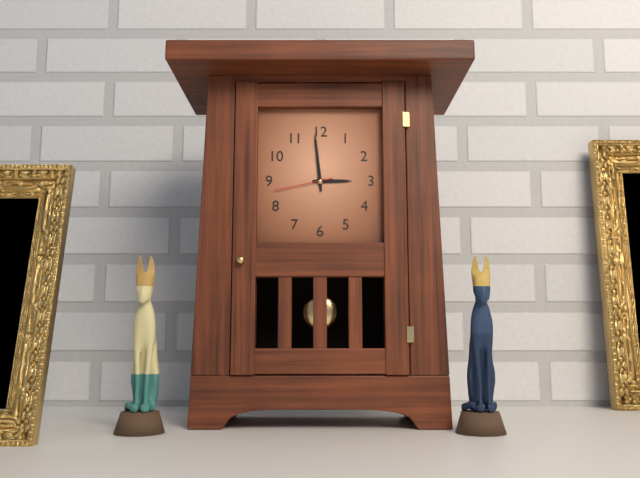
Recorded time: 2:59:43
